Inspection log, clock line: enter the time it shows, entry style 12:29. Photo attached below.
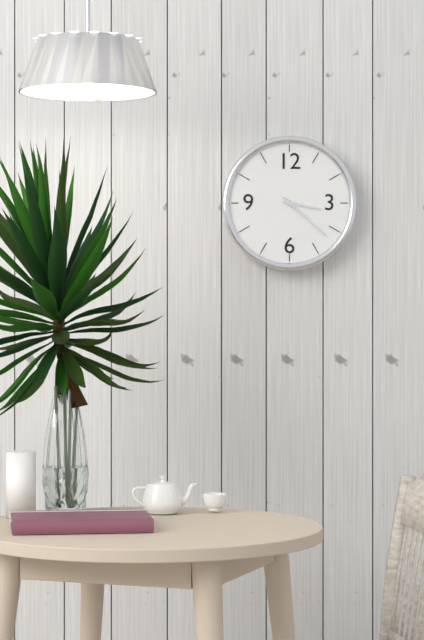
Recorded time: 3:22
